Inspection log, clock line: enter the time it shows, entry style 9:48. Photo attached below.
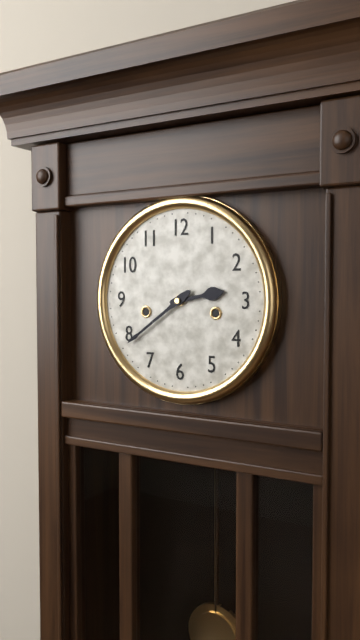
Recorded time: 2:39
